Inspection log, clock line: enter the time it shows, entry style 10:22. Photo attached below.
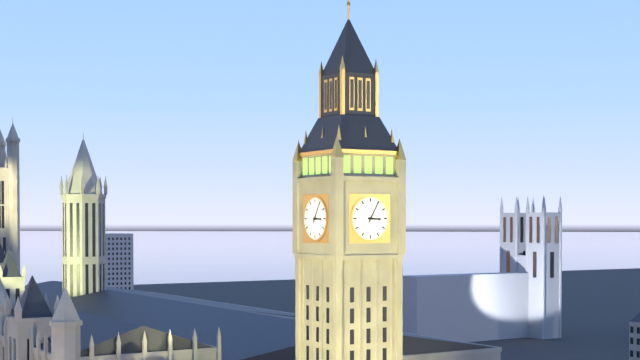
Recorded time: 3:05
